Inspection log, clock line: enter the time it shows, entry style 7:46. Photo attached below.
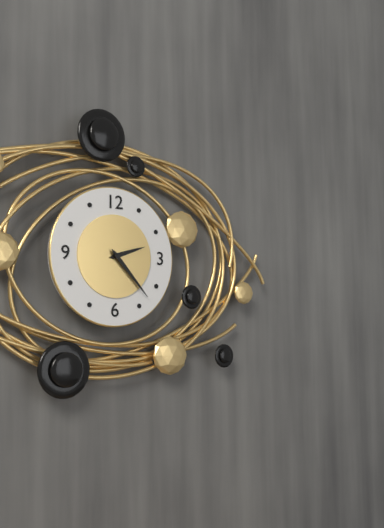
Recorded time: 2:23
